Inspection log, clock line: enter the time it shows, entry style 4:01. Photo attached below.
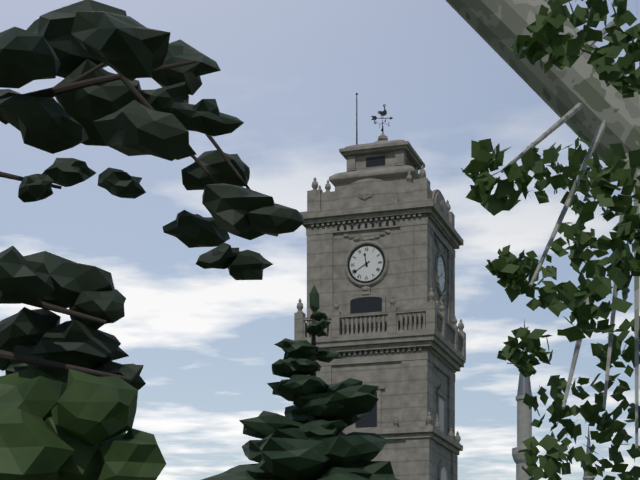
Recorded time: 11:40
